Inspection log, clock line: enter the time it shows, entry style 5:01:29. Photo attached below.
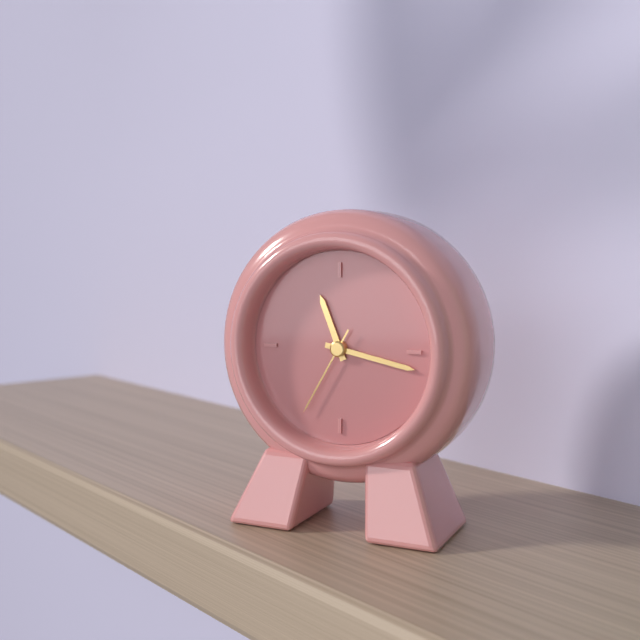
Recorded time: 11:17:35
